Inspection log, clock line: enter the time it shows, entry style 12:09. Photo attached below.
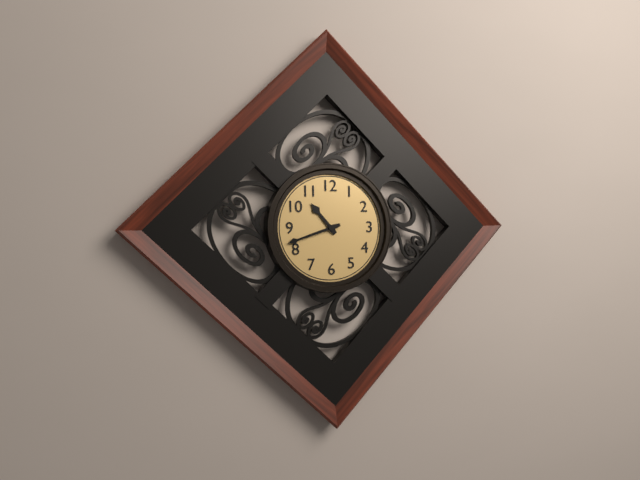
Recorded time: 10:42
